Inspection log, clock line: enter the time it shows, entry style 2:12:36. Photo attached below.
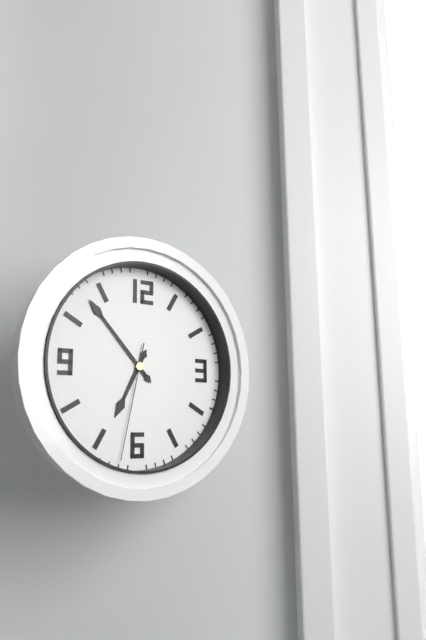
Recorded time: 6:53:32
